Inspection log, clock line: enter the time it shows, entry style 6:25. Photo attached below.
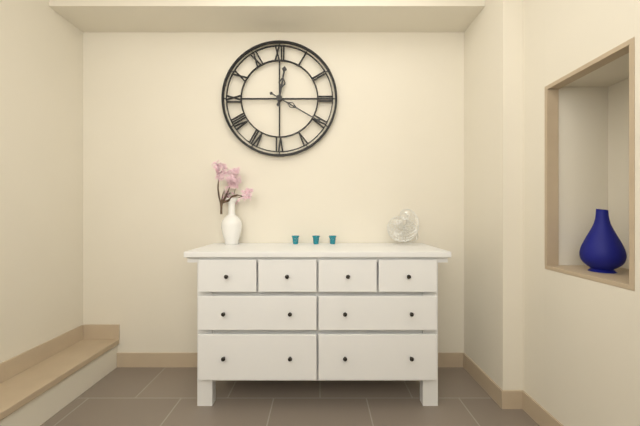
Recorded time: 12:20
